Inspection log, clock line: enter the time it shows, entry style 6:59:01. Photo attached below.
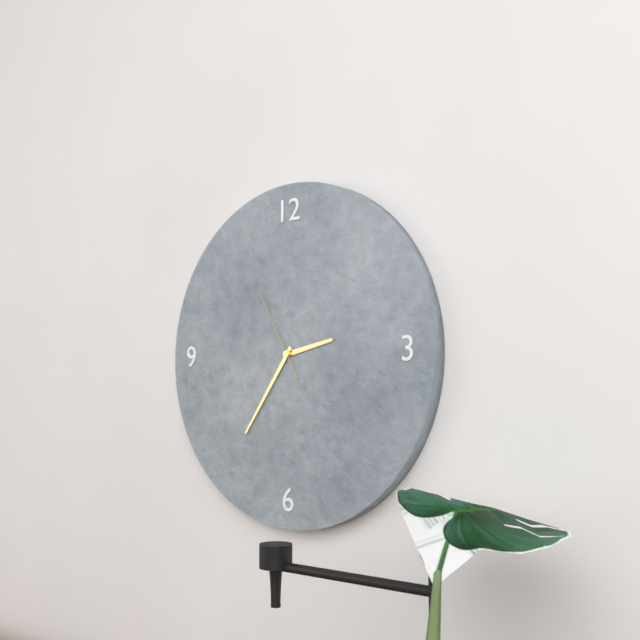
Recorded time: 2:36:55
